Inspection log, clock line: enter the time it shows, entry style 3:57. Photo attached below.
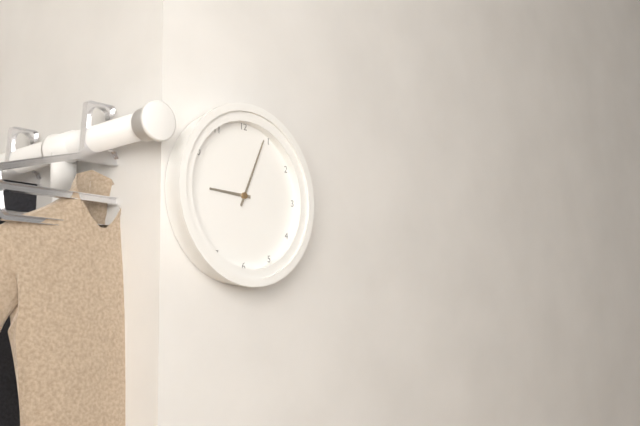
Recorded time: 9:04
